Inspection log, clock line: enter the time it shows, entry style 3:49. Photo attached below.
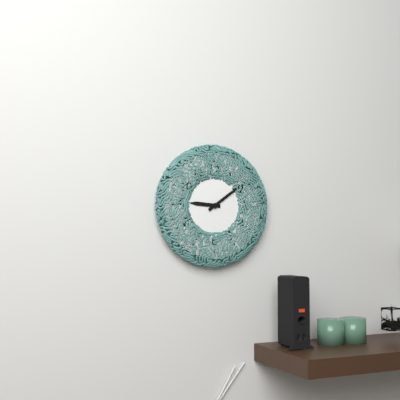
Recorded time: 9:09
